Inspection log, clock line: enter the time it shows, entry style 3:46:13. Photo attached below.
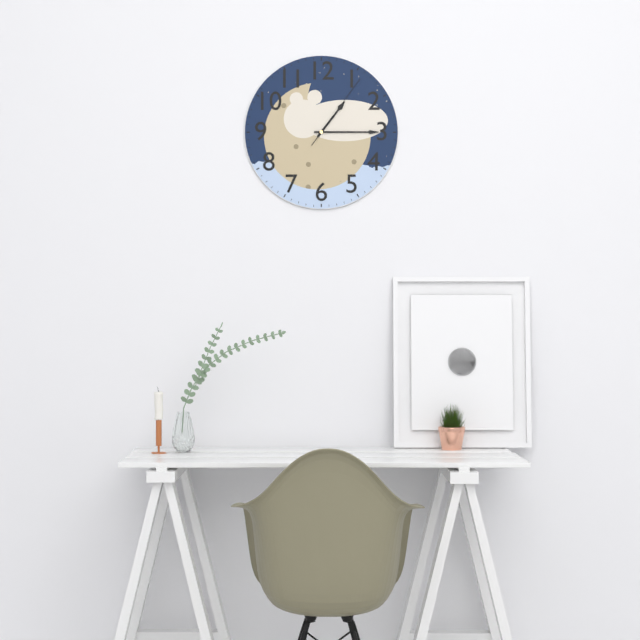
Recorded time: 1:15:06
